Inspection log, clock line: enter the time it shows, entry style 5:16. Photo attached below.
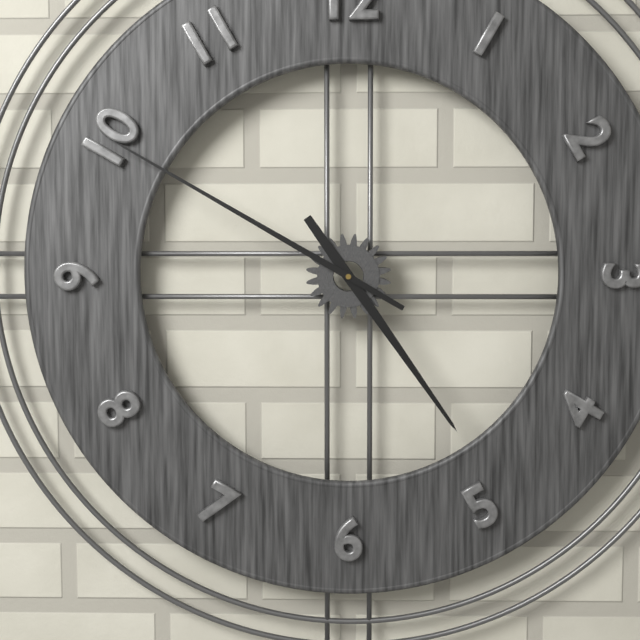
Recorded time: 4:50
